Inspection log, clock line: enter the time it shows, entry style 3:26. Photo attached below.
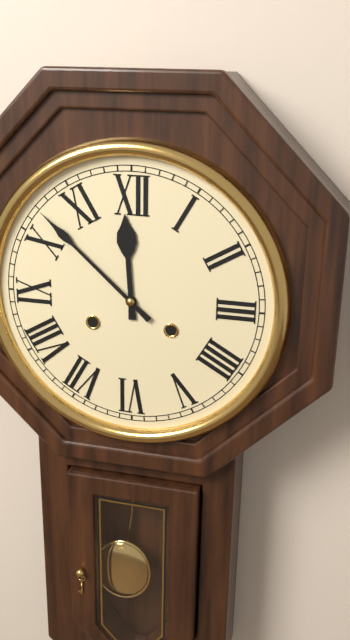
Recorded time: 11:52
